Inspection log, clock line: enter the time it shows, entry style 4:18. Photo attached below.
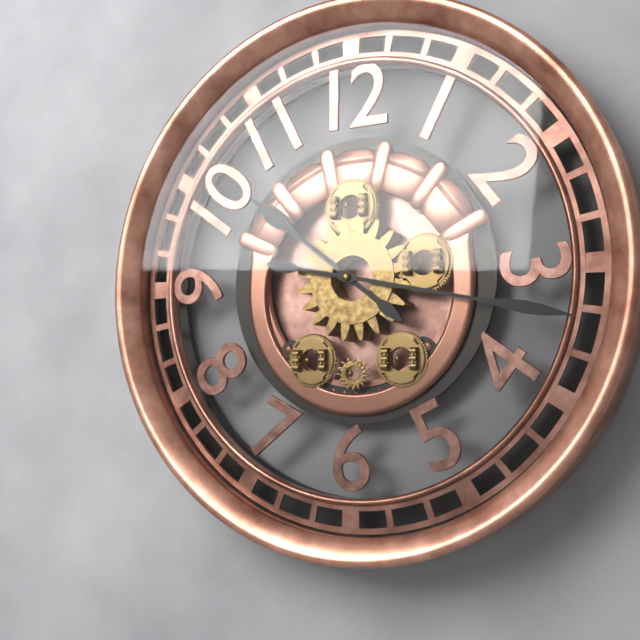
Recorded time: 10:17
